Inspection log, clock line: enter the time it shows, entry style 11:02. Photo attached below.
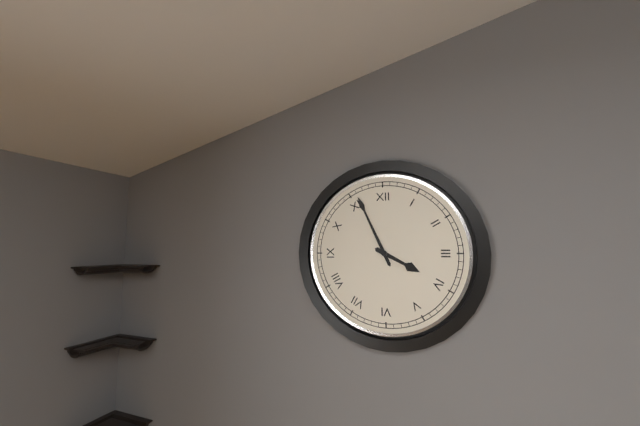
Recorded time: 3:56
